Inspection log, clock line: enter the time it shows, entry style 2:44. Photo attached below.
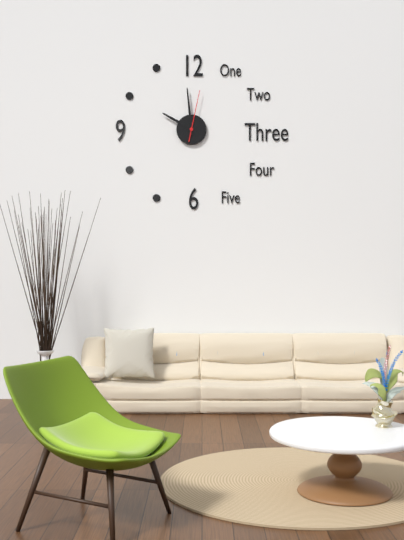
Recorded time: 9:59
